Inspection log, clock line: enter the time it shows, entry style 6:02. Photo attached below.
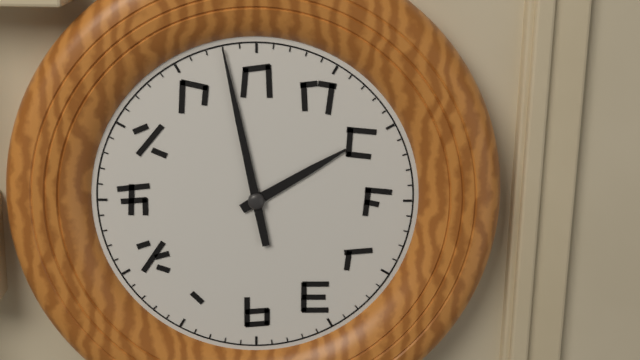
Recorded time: 1:58
